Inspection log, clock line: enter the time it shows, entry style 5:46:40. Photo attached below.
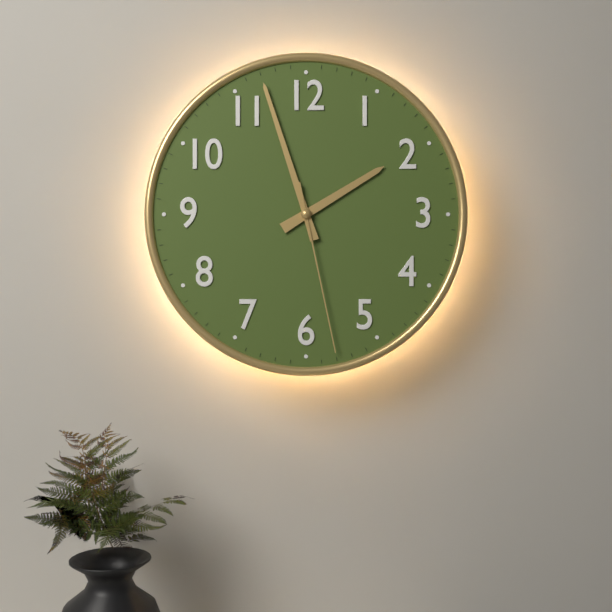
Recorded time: 1:57:28
